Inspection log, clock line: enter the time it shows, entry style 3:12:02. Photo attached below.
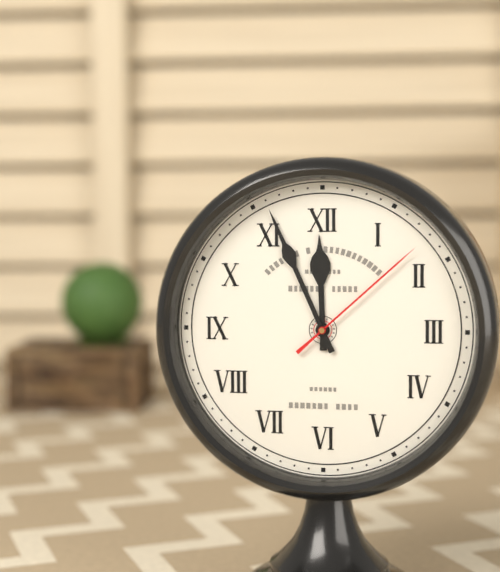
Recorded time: 11:56:08
